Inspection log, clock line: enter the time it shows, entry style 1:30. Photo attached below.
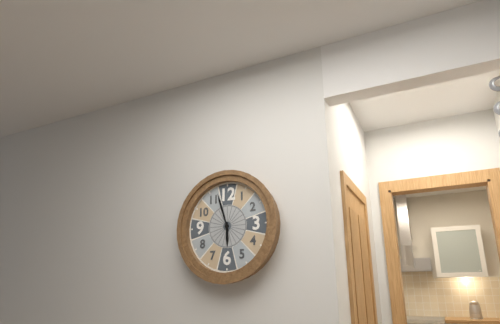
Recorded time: 5:57
